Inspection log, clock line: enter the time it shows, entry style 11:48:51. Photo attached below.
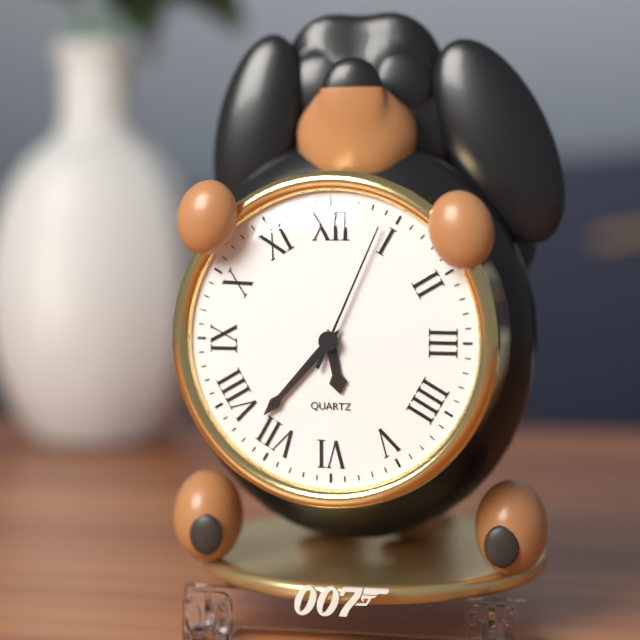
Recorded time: 5:37:04
